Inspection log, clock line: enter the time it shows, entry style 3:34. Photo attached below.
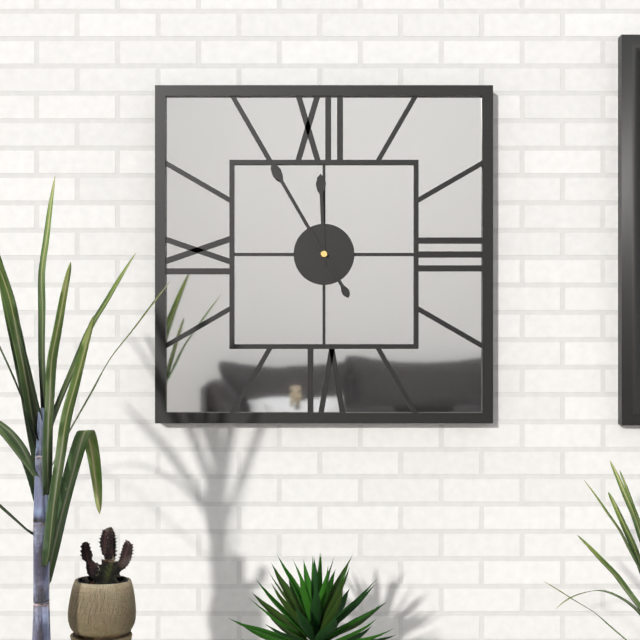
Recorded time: 11:55
